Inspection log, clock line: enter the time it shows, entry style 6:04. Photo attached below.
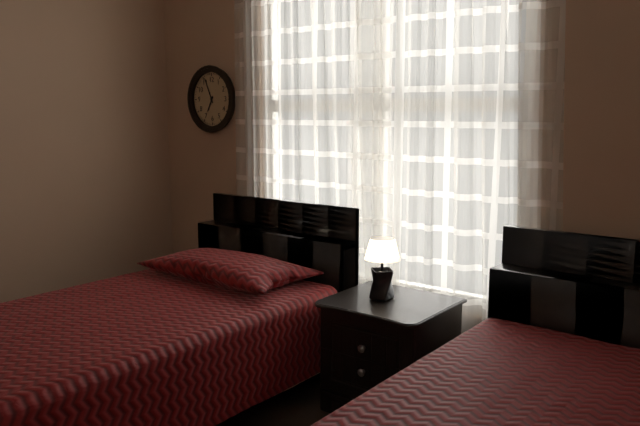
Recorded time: 6:56
